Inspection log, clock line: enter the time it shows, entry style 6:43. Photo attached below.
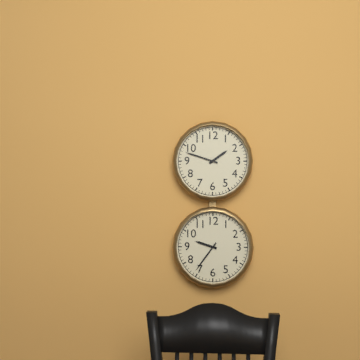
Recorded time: 1:48
